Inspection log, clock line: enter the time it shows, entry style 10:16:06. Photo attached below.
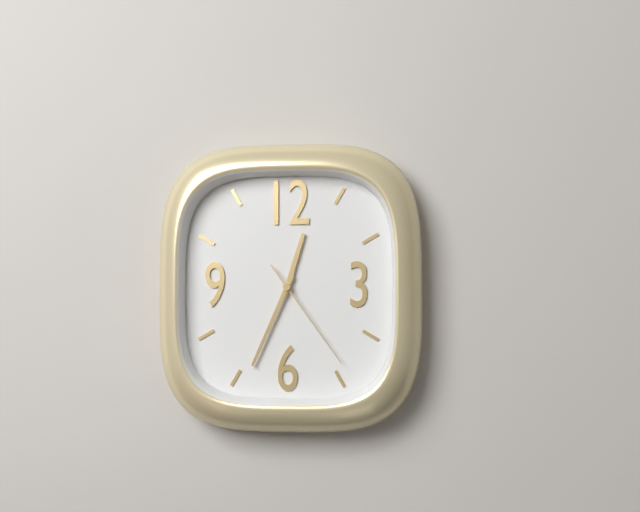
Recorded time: 12:34:24
